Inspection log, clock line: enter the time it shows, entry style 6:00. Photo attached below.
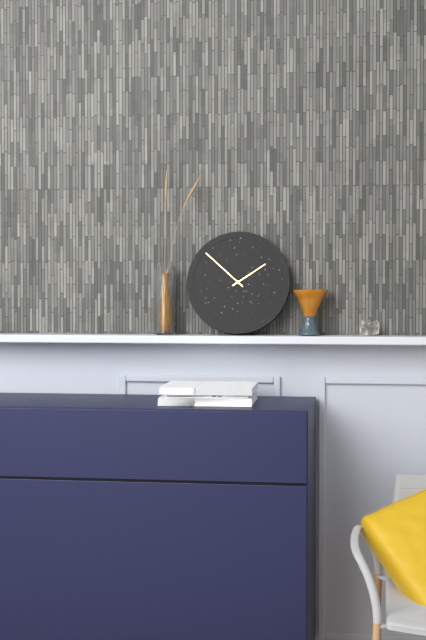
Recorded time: 1:52
